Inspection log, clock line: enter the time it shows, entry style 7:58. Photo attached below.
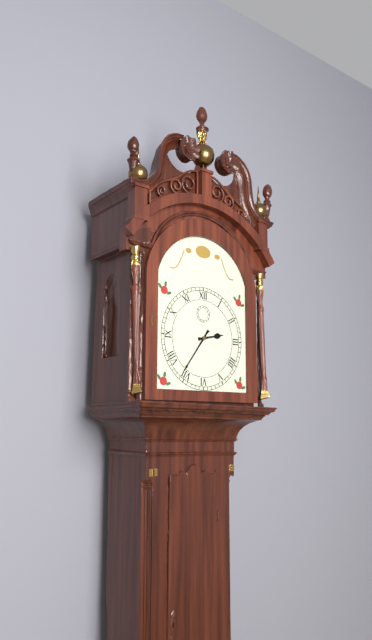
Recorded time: 2:36
